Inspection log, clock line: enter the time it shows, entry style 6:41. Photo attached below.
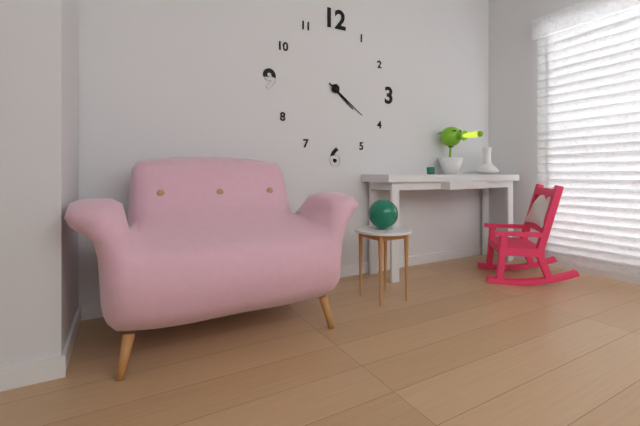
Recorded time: 4:21
